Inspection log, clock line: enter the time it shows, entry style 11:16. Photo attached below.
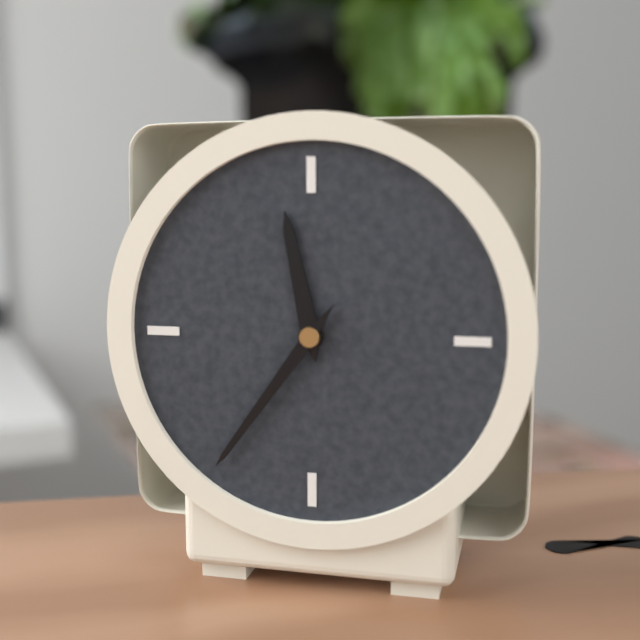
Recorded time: 11:36
